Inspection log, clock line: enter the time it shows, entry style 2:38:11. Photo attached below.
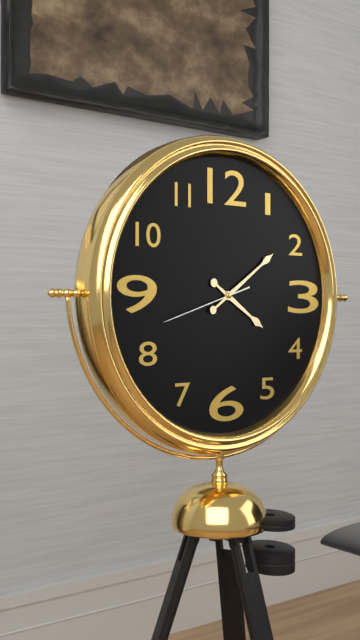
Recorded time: 4:09:42
